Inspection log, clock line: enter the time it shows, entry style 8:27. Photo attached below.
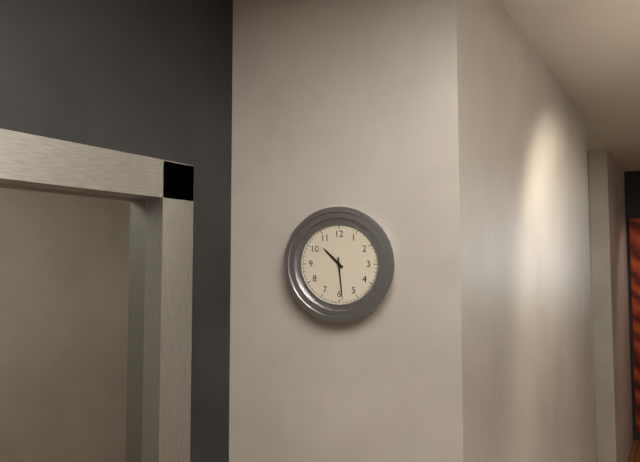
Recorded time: 10:29
